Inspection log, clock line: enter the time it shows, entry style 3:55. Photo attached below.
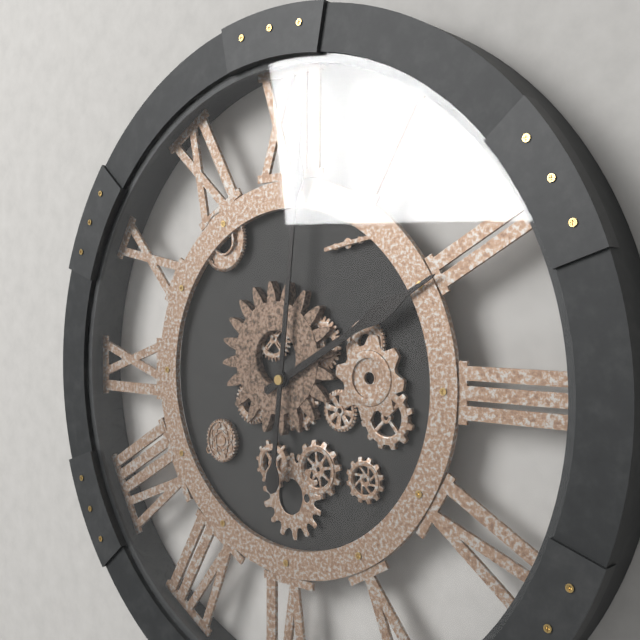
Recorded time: 2:01
